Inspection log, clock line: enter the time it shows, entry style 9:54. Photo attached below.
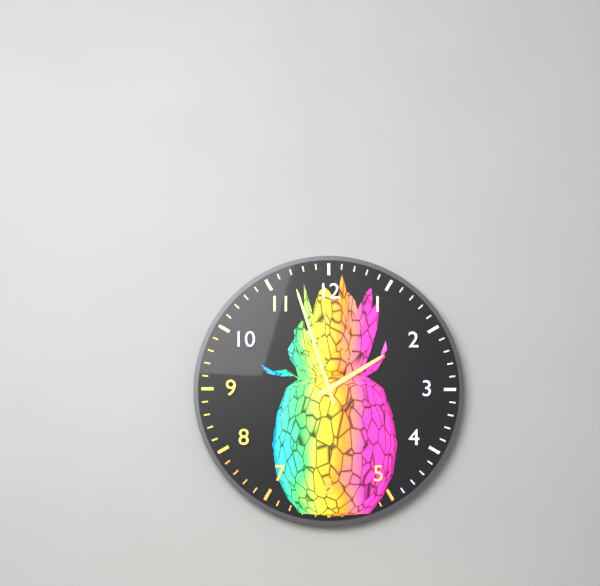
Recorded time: 1:57
